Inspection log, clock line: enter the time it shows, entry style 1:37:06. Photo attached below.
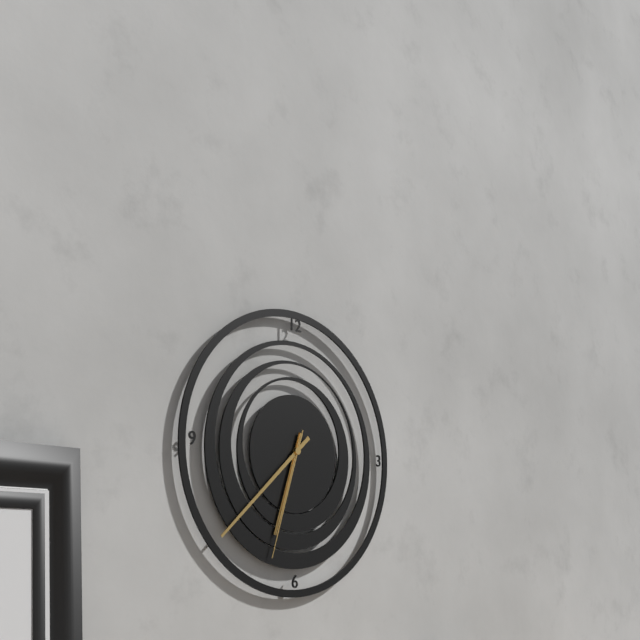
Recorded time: 6:38:33
